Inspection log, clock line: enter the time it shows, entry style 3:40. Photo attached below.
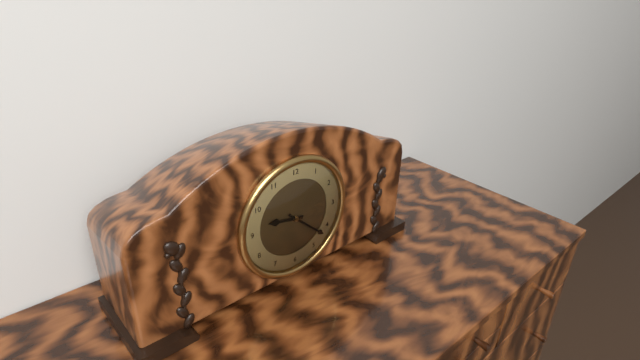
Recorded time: 9:22
